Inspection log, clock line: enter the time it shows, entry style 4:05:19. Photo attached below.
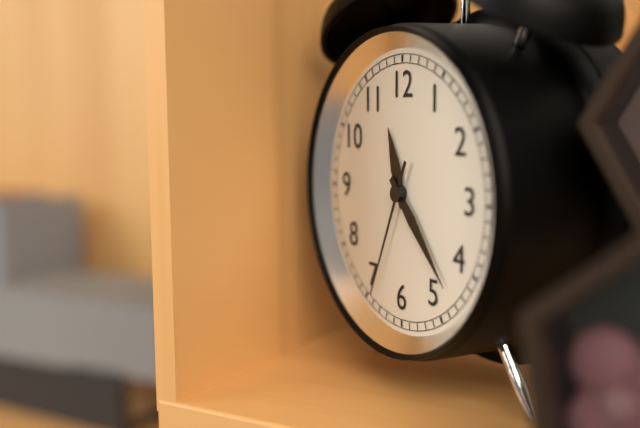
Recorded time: 11:23:34
